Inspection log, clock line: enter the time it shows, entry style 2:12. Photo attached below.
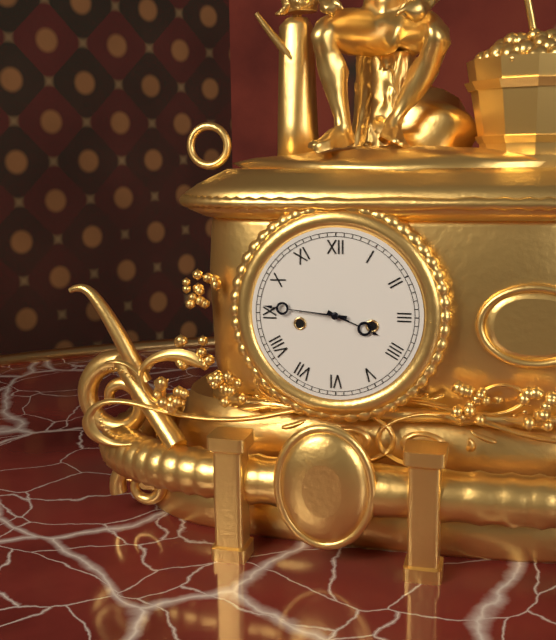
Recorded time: 3:46
